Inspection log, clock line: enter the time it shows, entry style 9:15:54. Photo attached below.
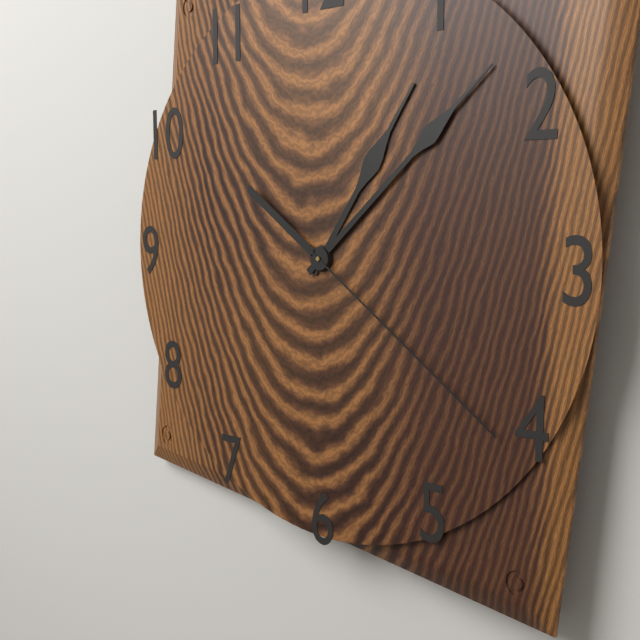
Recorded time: 1:08:21
